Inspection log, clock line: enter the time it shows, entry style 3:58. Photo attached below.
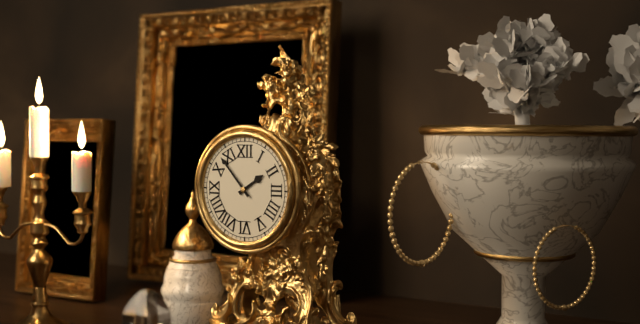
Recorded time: 1:53
